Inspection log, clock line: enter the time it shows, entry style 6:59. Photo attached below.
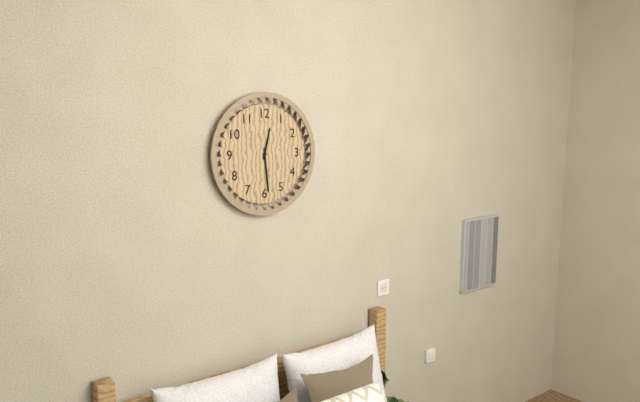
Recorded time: 12:29
